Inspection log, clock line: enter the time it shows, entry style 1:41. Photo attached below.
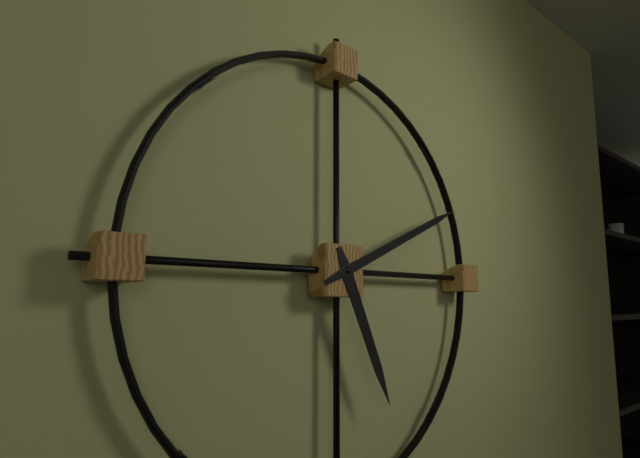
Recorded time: 5:11
